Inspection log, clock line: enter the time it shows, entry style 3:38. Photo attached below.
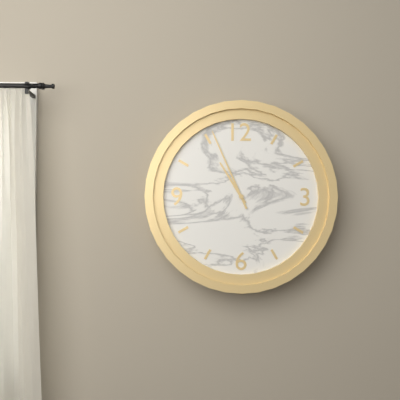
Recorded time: 10:56
